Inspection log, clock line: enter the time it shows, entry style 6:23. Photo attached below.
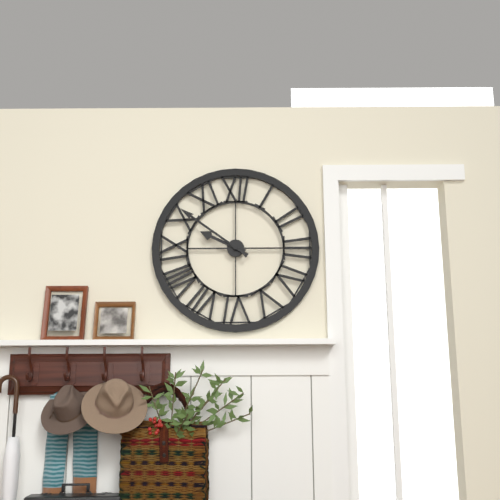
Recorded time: 9:51
